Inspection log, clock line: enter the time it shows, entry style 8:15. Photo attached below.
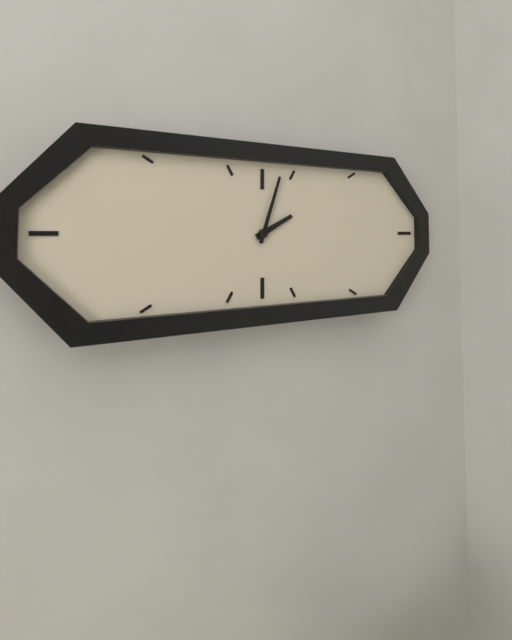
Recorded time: 2:03
